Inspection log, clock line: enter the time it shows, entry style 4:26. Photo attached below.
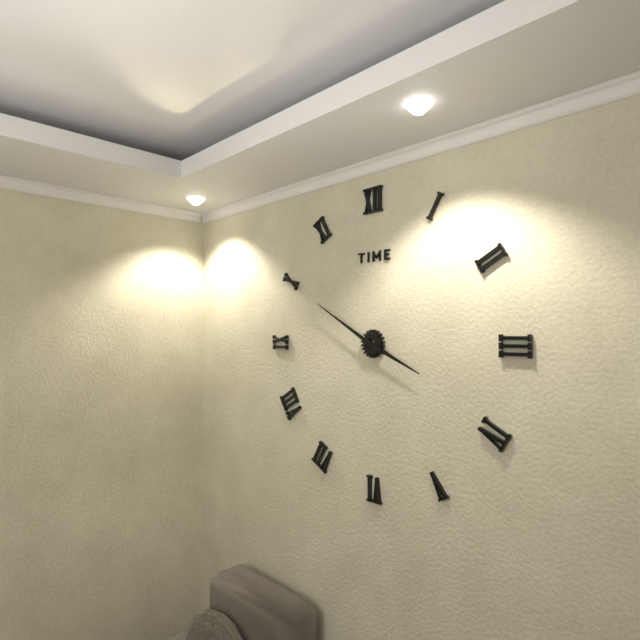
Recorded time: 3:50
